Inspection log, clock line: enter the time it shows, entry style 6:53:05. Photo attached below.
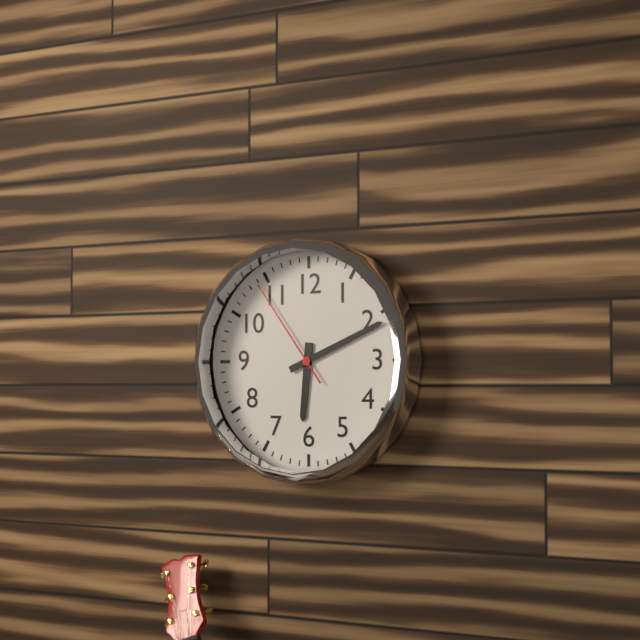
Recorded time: 6:11:54
